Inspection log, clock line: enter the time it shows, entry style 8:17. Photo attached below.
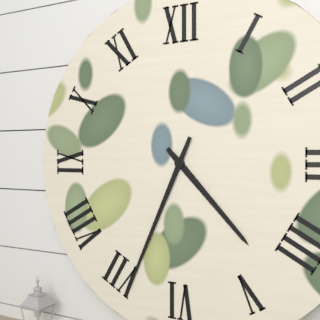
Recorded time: 4:34
